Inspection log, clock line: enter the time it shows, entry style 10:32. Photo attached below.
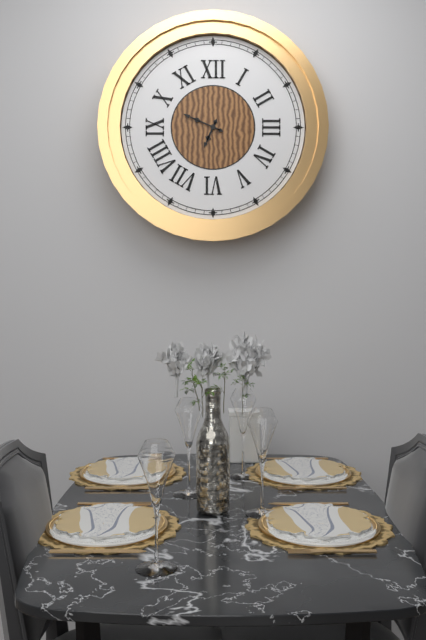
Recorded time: 6:49
